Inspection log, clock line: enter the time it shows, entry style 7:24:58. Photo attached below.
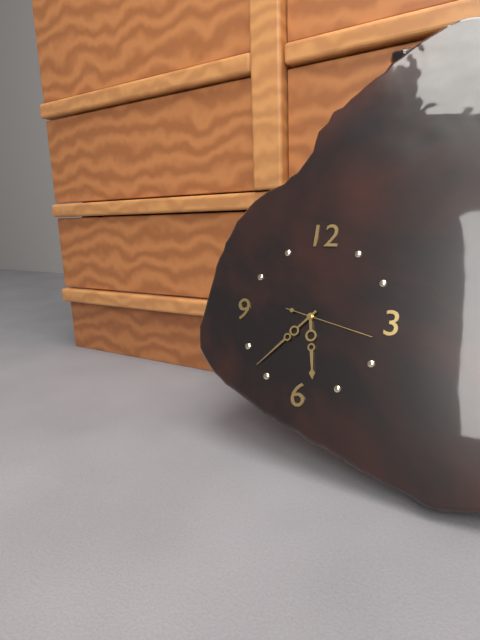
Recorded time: 5:37:17
